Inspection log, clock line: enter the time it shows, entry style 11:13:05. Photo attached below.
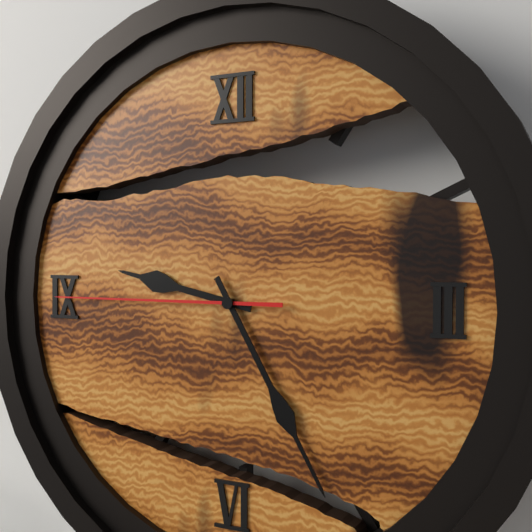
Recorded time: 9:25:45
